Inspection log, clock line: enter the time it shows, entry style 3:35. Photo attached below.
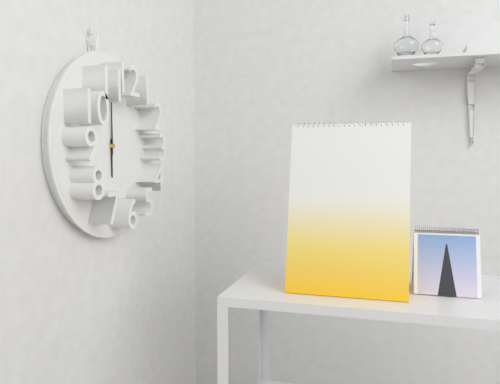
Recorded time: 6:00
